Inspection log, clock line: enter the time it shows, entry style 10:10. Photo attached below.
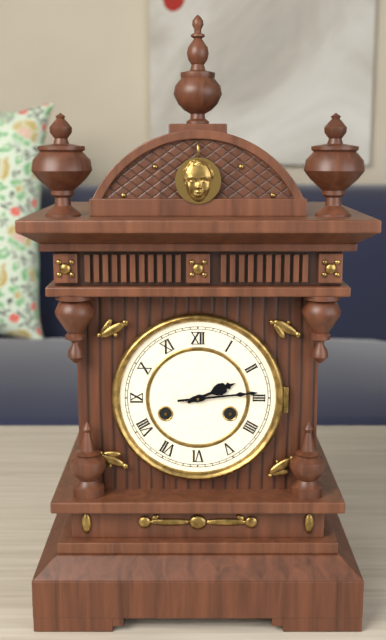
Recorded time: 2:14
